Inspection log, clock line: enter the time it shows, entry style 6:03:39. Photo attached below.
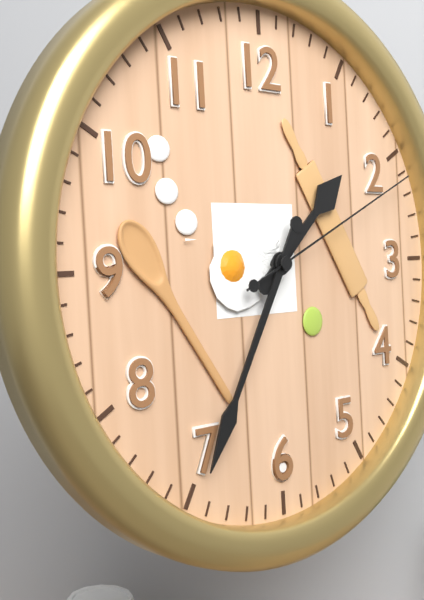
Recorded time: 1:35:11
